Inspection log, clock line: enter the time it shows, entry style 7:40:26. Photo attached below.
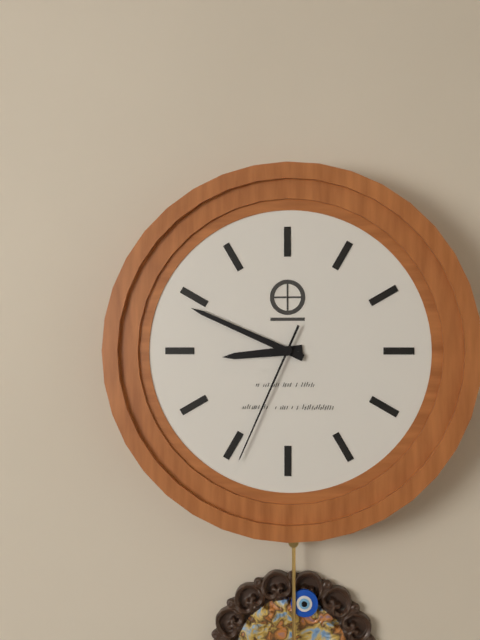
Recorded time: 8:49:34
